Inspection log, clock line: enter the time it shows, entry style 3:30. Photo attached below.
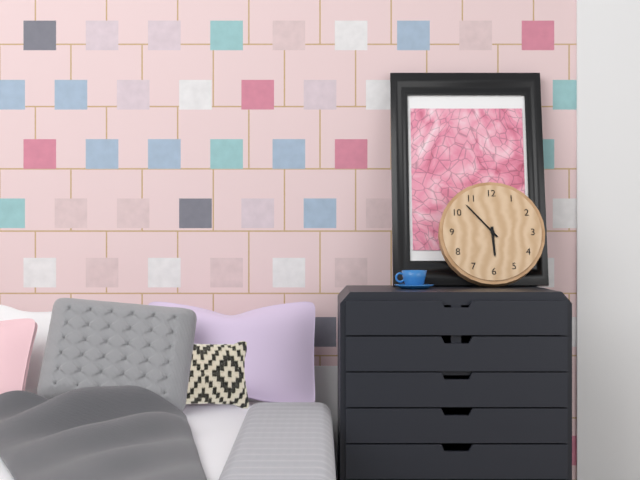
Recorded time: 5:53
